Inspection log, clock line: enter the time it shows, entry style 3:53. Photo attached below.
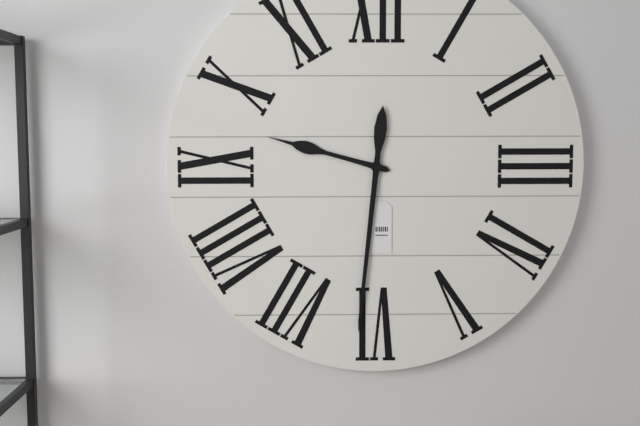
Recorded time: 9:31
